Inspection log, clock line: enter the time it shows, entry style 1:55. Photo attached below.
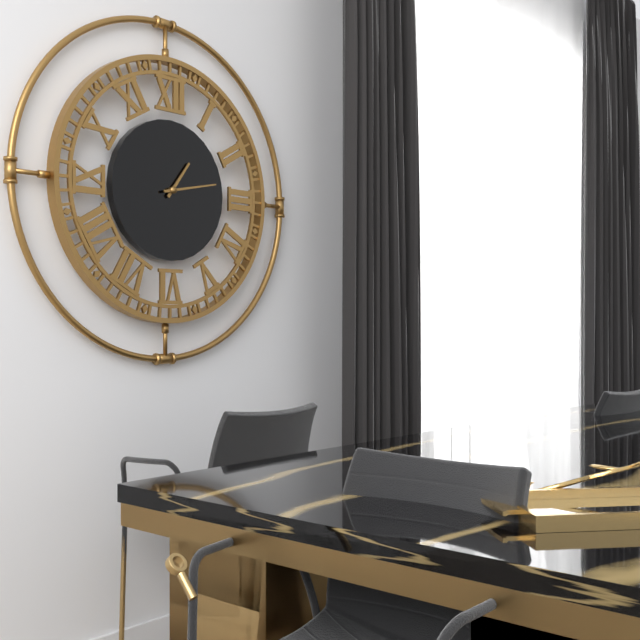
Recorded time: 1:13
